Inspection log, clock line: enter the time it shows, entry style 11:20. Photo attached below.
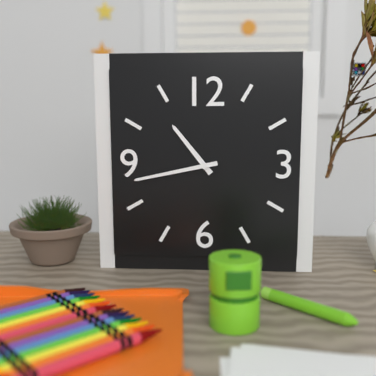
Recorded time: 10:43
